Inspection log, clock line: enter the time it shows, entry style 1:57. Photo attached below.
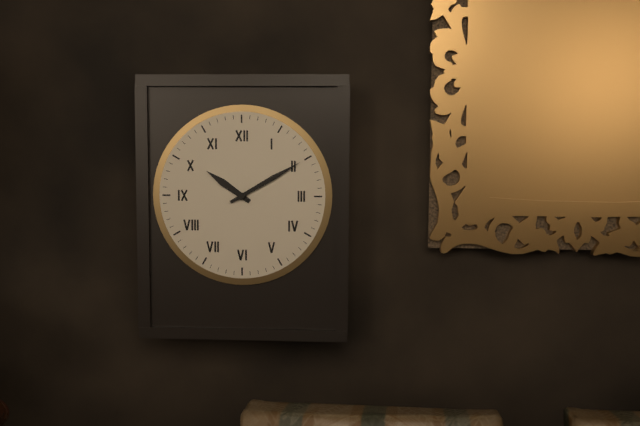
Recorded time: 10:10
